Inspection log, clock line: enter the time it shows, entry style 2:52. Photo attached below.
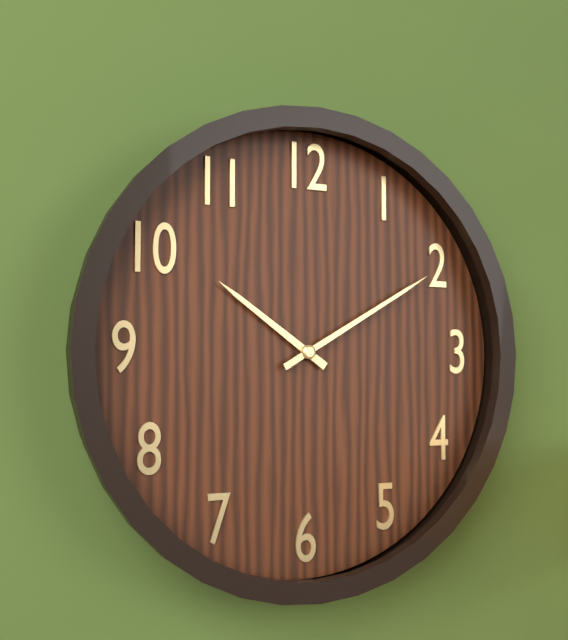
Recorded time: 10:10
